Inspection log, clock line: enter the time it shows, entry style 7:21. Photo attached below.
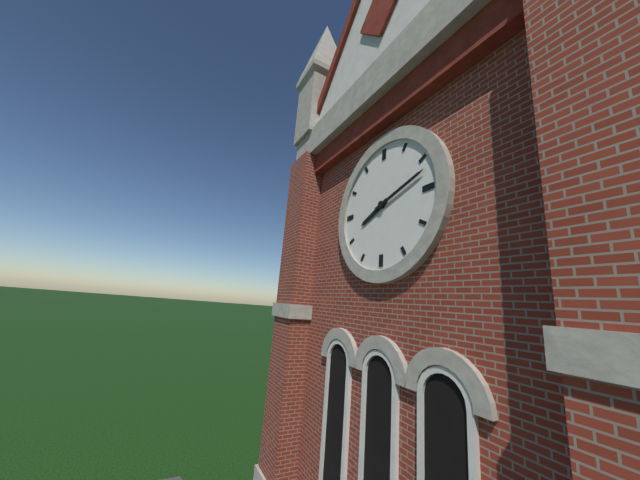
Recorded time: 8:12
